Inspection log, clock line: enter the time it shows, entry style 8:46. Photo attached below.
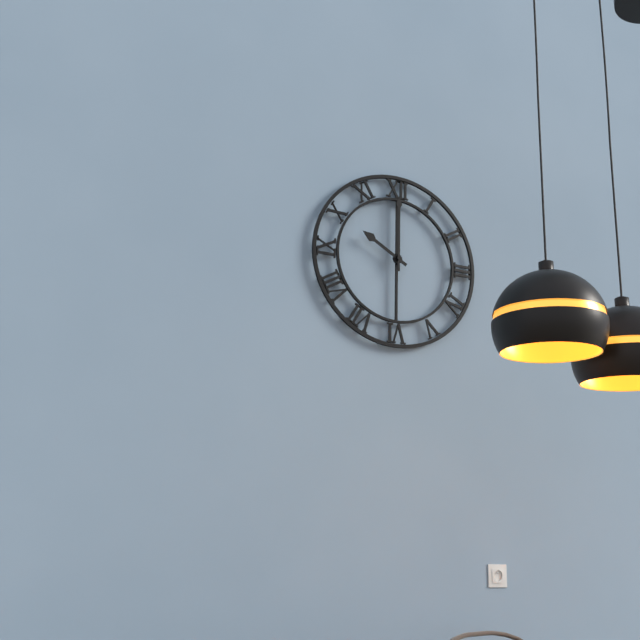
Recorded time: 10:00
